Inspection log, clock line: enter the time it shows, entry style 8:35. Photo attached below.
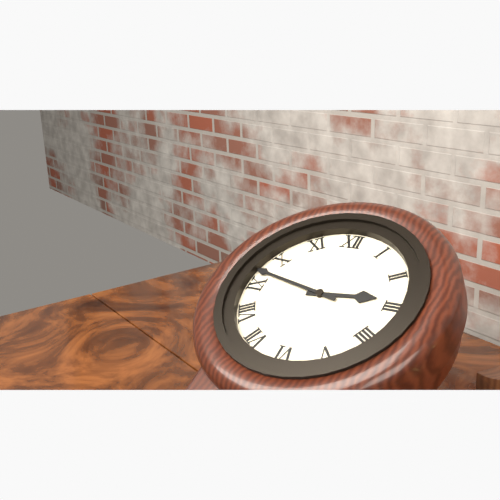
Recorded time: 2:47
